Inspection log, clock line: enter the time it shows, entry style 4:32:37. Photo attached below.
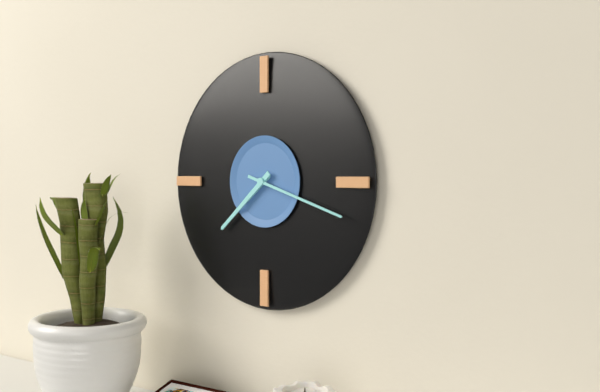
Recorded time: 7:38:18
